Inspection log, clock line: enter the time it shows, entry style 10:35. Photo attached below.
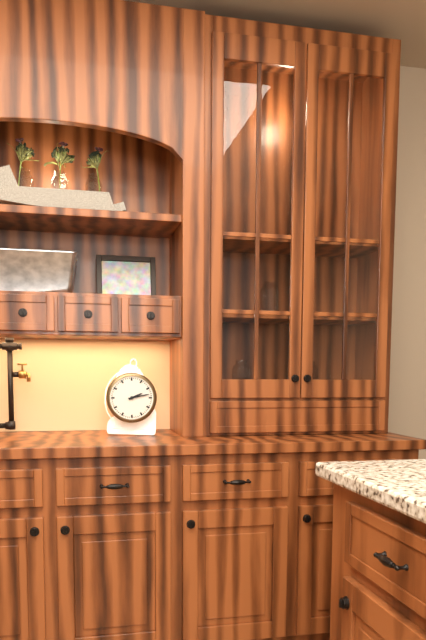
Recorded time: 2:13
